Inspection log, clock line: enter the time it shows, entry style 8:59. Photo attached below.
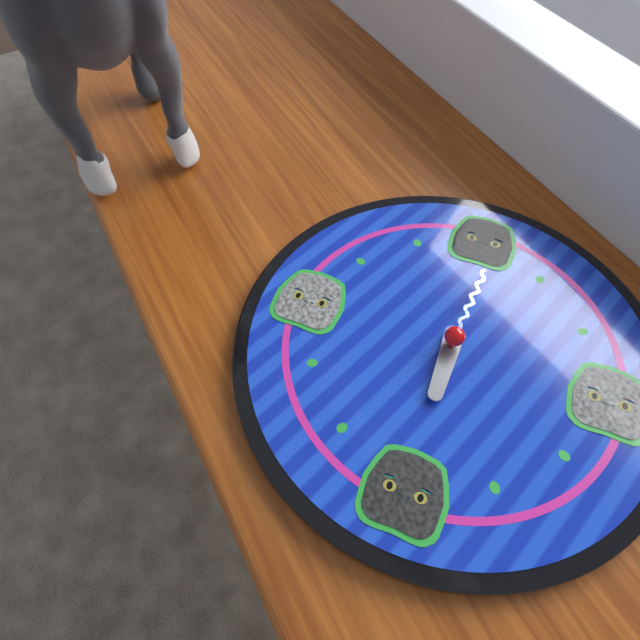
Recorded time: 6:01
